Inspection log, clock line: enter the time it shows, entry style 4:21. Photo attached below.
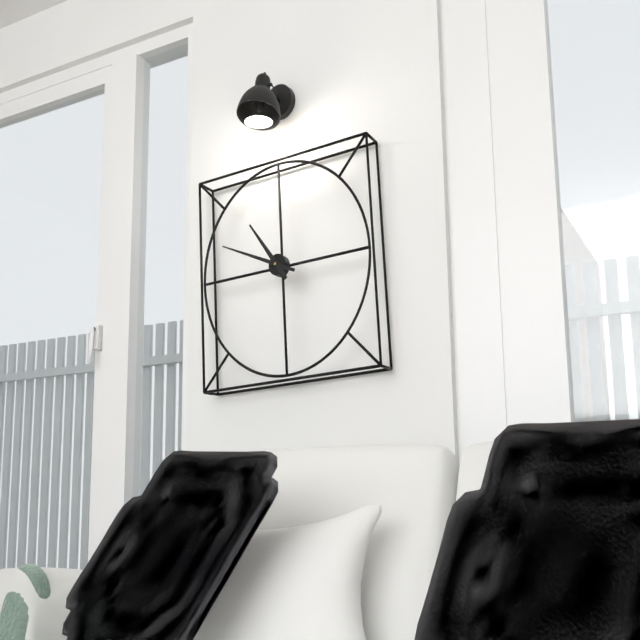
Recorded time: 10:49
